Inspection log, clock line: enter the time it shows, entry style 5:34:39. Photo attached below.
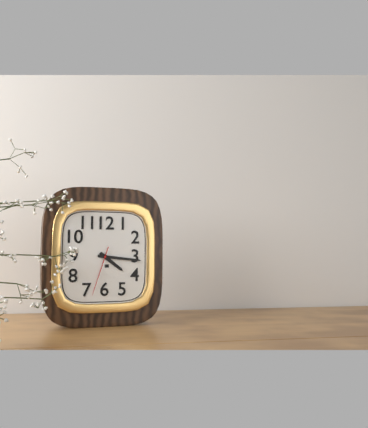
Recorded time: 4:16:33
